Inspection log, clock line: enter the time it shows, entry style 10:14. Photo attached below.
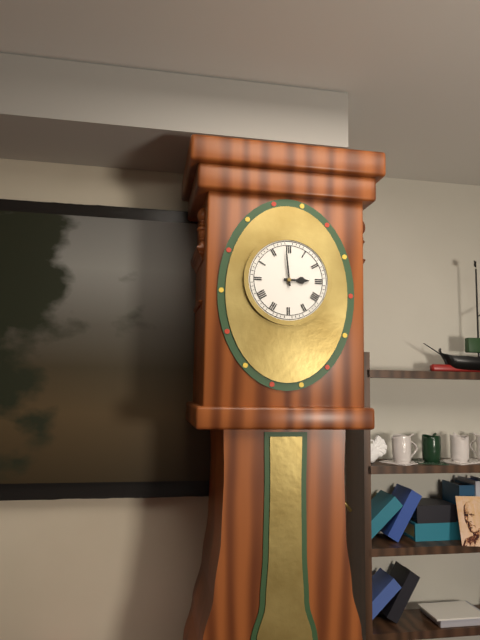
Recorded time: 2:59
